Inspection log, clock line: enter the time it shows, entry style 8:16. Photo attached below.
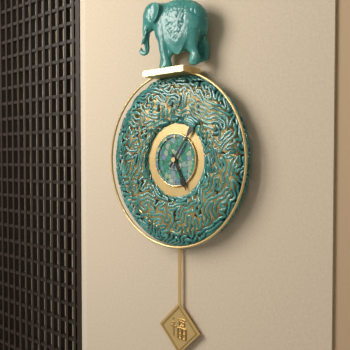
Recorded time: 5:06
